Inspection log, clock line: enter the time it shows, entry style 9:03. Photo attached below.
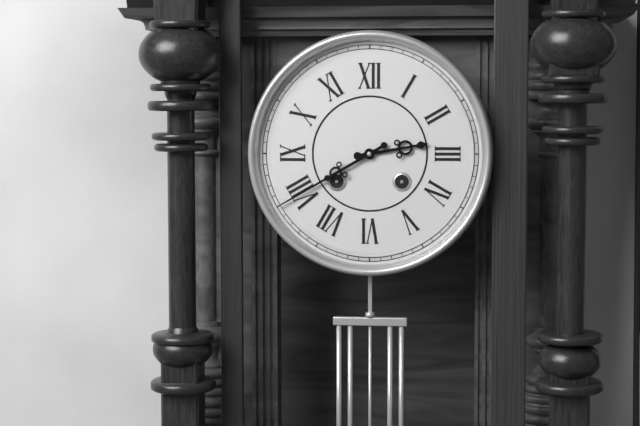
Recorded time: 2:40
